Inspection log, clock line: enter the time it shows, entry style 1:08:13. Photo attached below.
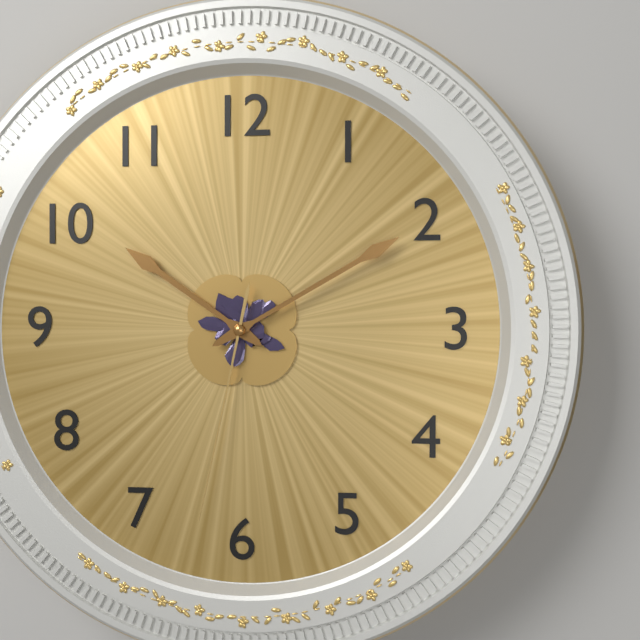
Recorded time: 10:10:32
